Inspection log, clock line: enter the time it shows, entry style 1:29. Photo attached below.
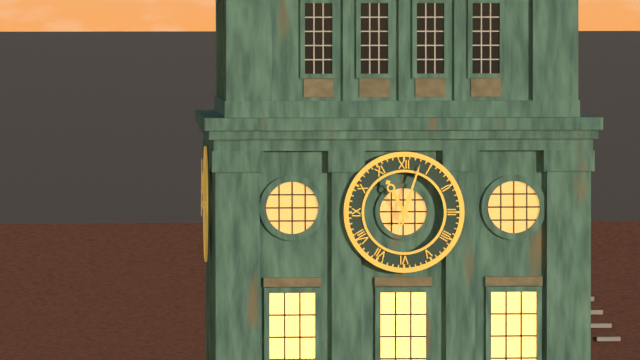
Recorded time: 11:03
